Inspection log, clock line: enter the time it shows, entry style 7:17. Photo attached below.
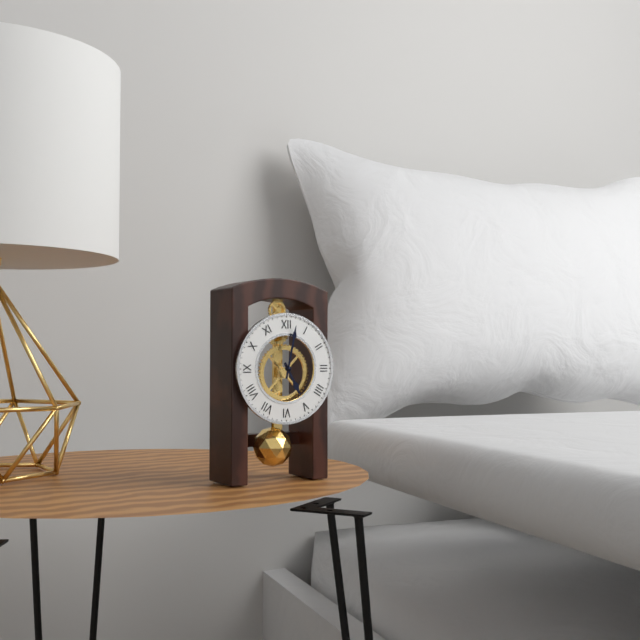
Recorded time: 5:02
